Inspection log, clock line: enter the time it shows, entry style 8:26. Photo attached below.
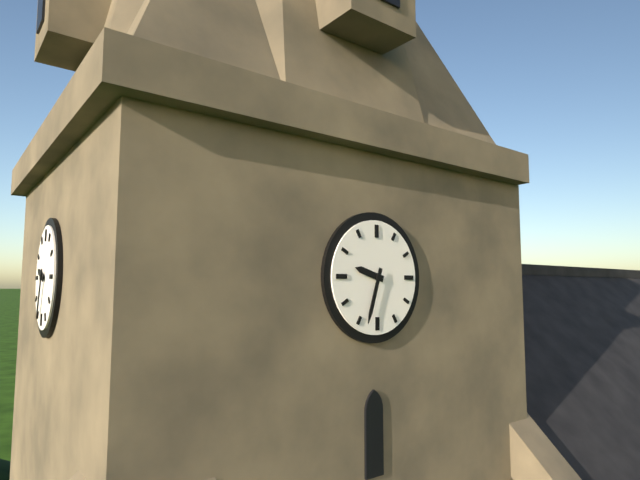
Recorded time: 9:33
